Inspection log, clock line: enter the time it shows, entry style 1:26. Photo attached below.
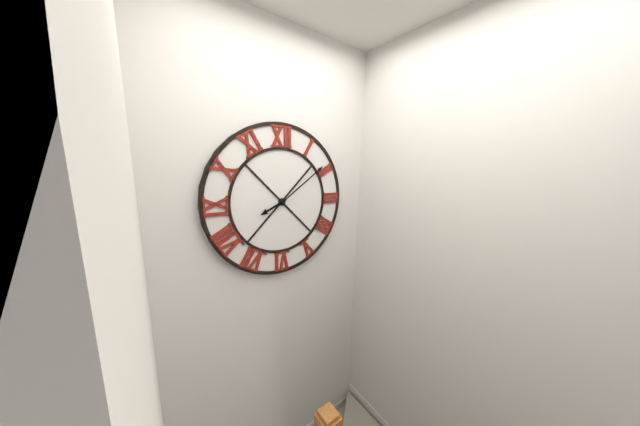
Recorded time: 8:09
